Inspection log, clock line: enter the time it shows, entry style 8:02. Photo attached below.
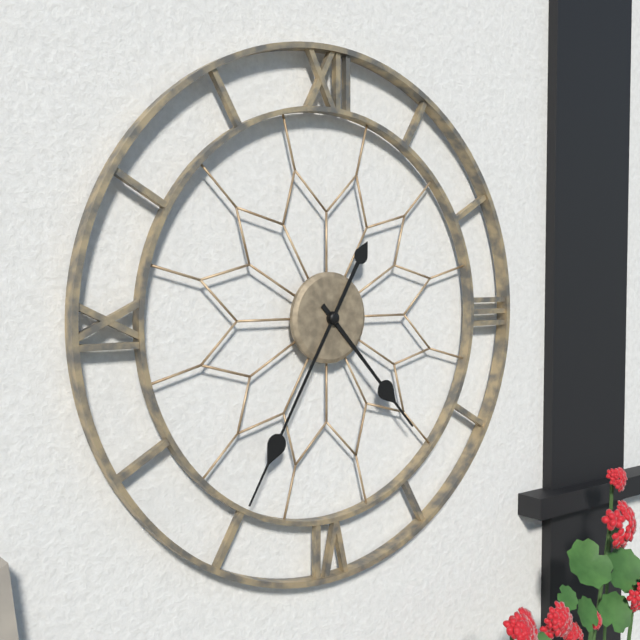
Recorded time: 4:35
